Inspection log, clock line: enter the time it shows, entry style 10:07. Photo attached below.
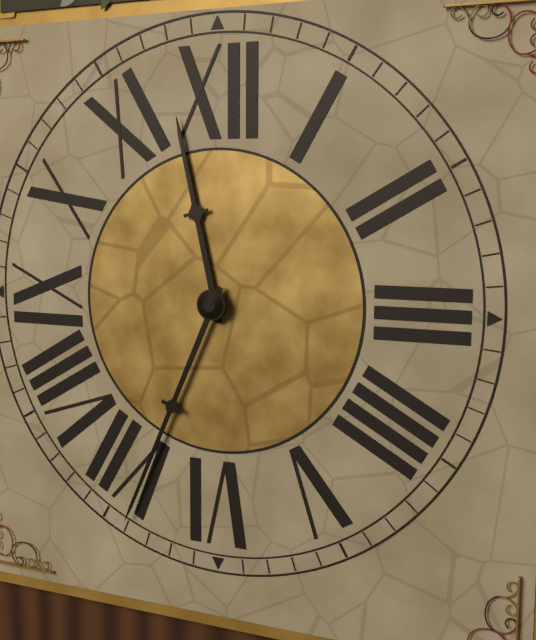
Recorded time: 11:34
